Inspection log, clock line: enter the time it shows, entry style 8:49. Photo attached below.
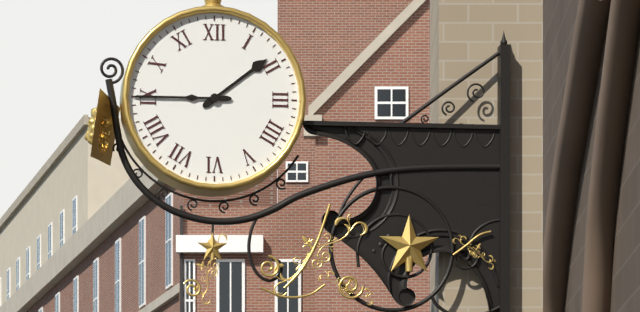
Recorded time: 1:45
